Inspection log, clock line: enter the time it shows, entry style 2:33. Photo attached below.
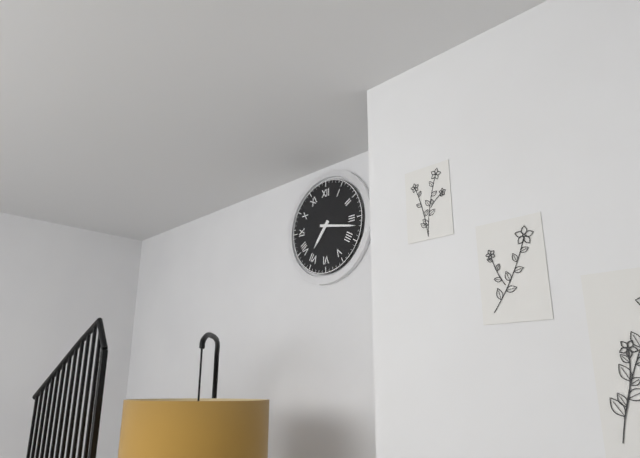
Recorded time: 7:17
